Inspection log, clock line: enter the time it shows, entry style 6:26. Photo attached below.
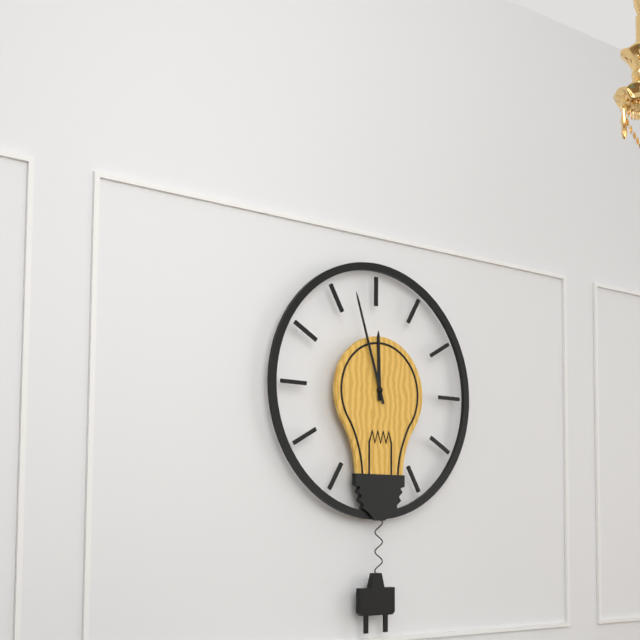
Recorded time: 11:57
